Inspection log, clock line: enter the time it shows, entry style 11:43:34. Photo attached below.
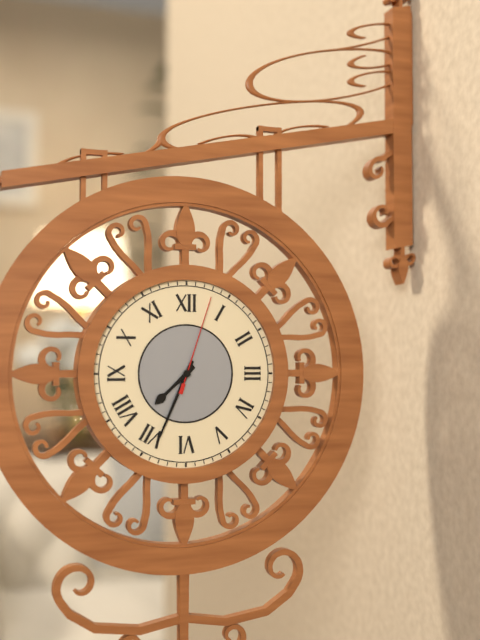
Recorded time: 7:34:03
